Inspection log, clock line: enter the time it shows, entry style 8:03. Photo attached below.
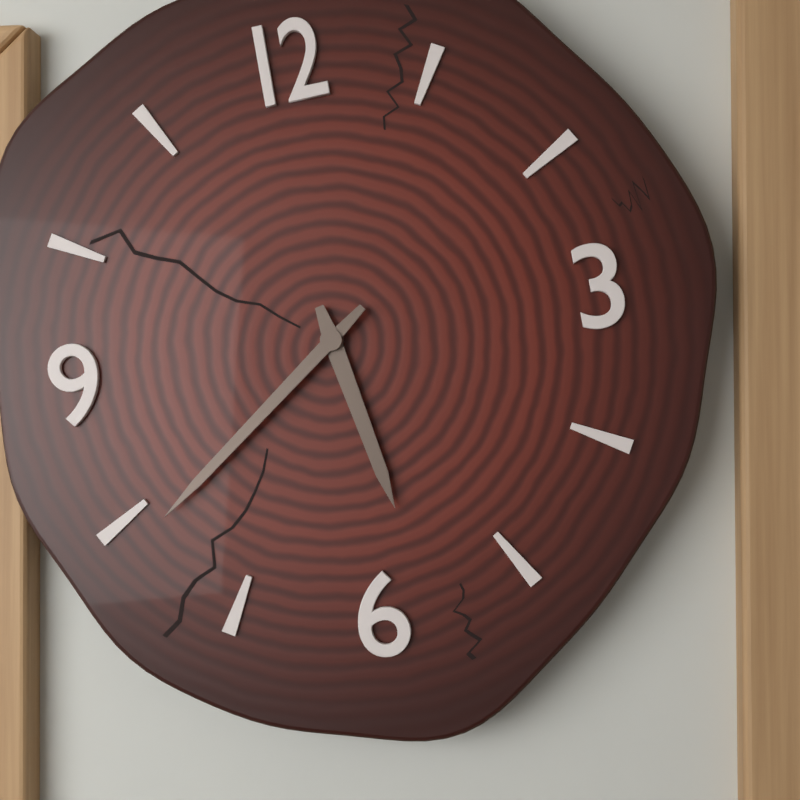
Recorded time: 5:39
